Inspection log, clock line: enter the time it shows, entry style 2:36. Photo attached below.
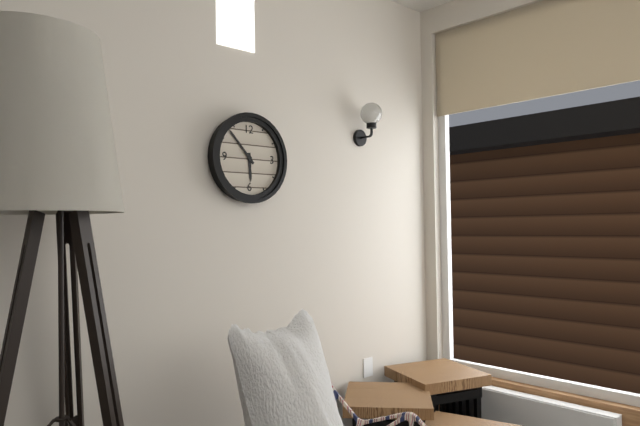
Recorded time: 5:53
